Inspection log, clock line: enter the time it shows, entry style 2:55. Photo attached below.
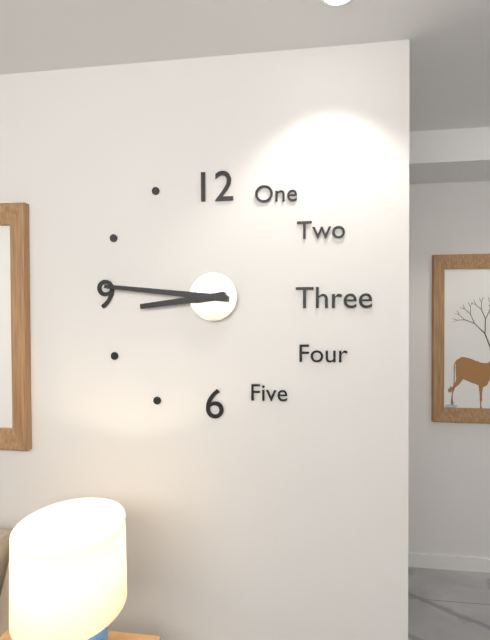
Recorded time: 8:46
